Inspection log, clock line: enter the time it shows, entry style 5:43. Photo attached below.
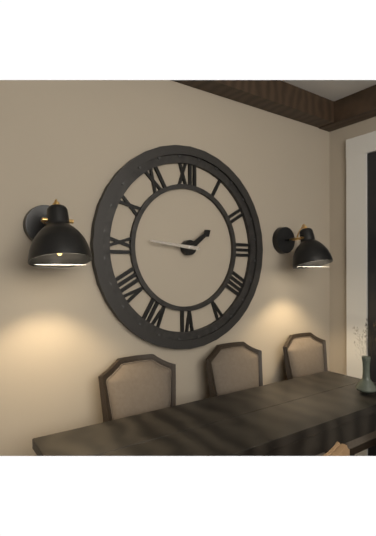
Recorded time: 1:46
